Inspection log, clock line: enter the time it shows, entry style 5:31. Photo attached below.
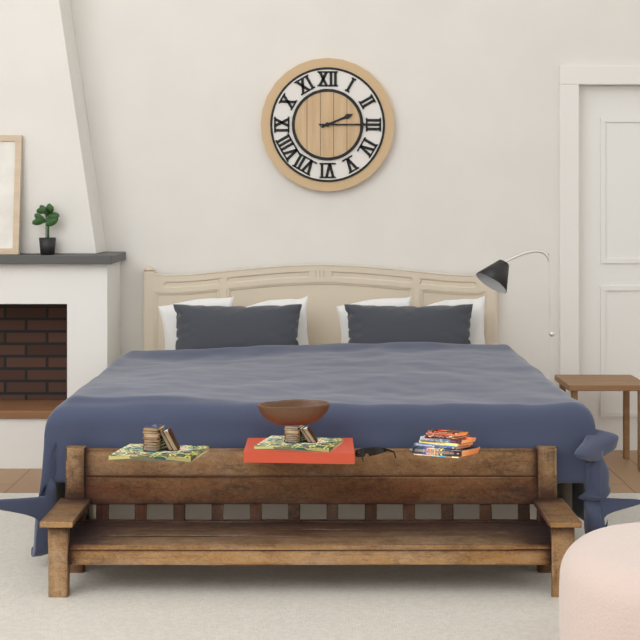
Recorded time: 2:15
